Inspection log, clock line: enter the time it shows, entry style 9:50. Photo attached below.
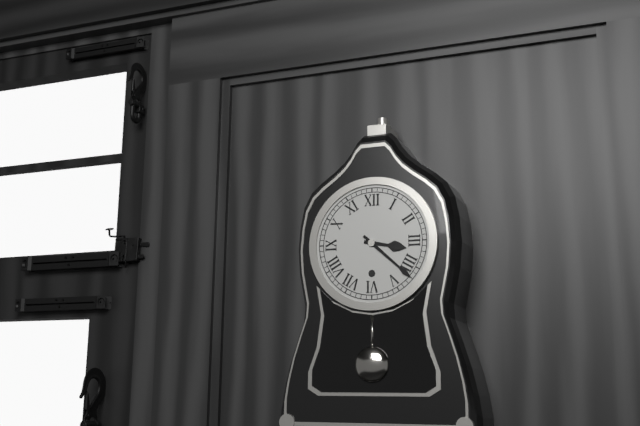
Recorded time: 3:22
